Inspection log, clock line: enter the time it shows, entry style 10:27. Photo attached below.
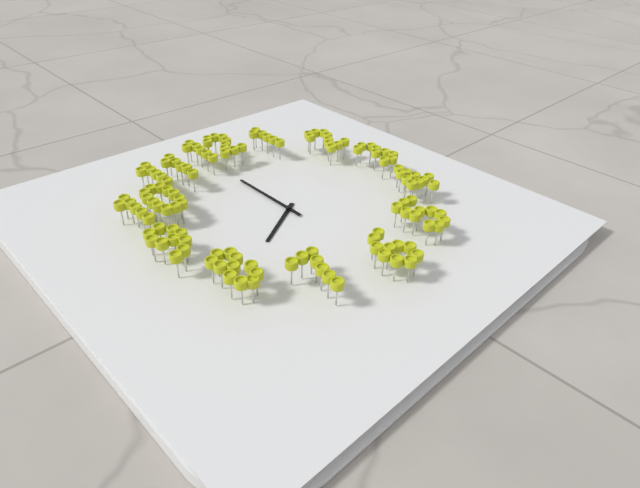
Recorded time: 8:00
